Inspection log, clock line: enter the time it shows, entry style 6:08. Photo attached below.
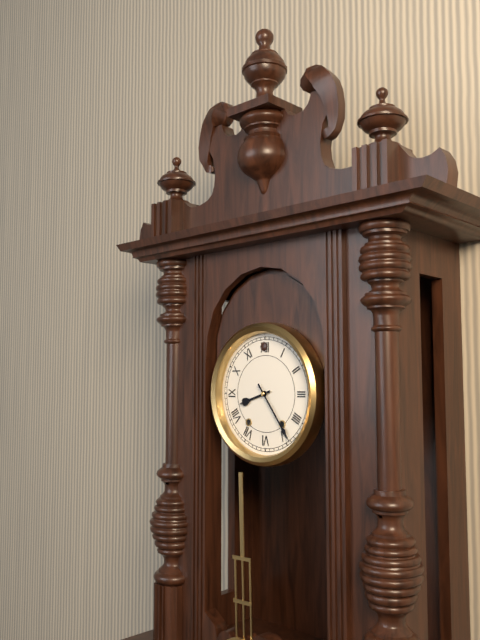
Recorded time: 8:24
